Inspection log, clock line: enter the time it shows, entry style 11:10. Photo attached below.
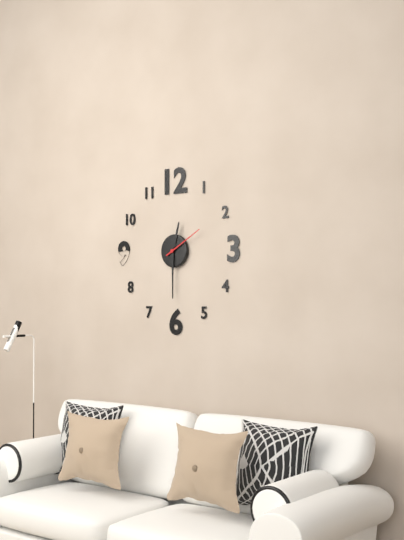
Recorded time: 12:30
